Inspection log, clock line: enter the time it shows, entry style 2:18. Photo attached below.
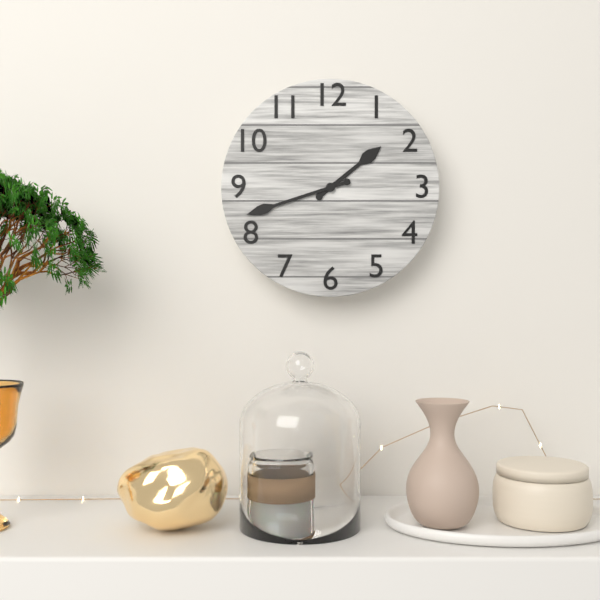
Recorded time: 1:42
